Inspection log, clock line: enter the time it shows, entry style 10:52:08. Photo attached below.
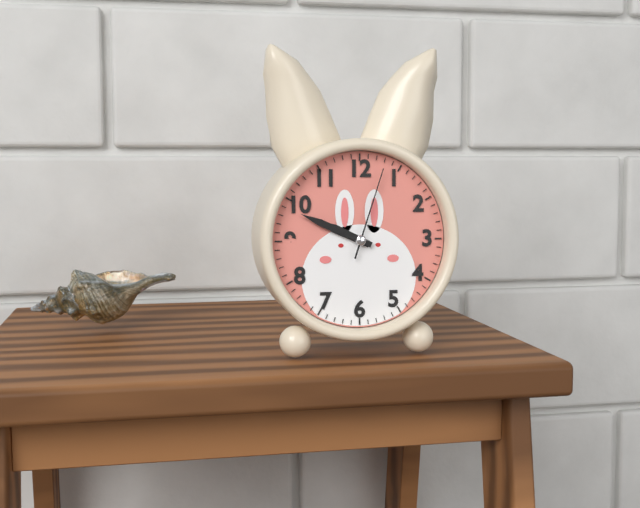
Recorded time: 9:49:03
